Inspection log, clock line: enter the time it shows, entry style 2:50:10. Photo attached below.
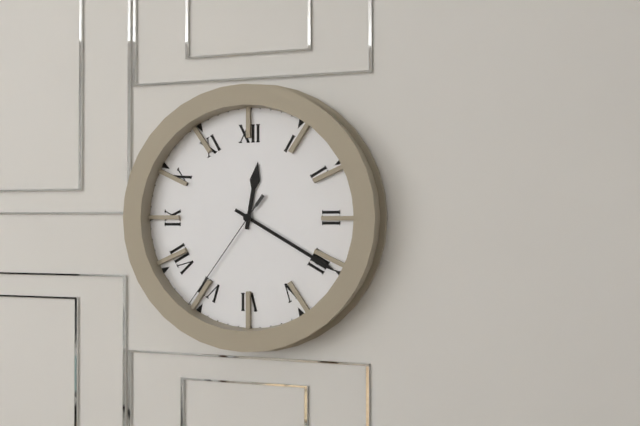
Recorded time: 12:20:36
